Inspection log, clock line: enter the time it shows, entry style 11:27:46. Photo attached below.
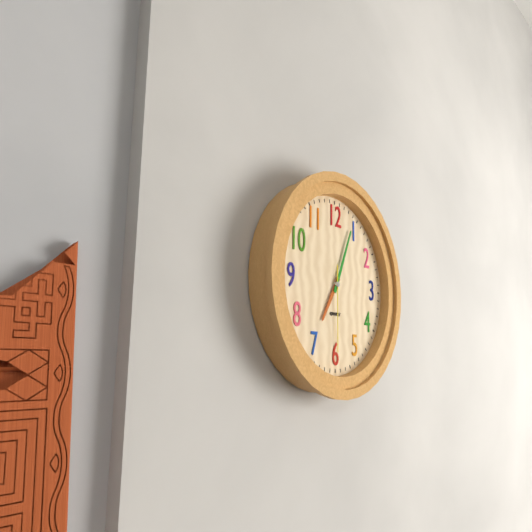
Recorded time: 7:04:30
